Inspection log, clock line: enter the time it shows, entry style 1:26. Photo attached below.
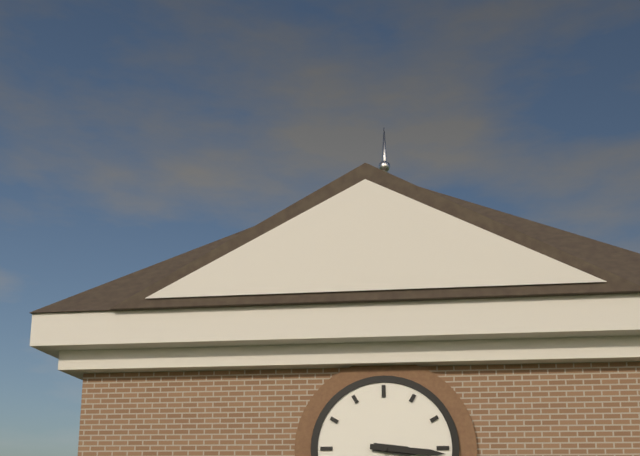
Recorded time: 3:16
